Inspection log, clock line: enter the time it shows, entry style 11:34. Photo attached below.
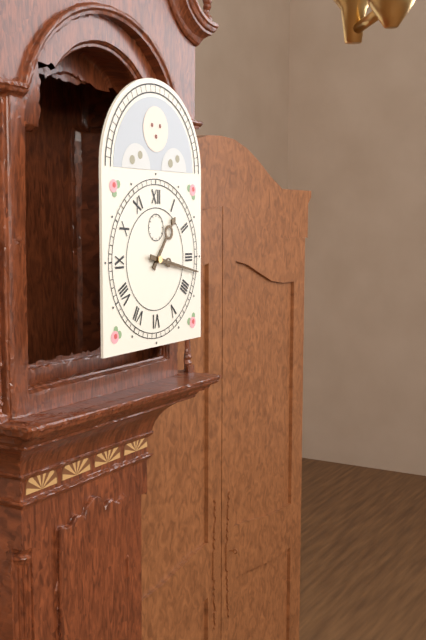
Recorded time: 1:17
